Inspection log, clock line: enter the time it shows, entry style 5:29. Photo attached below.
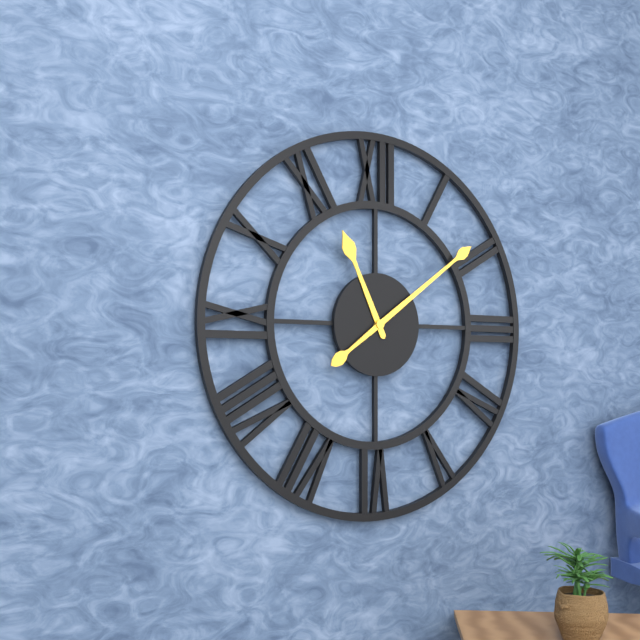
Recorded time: 11:09
